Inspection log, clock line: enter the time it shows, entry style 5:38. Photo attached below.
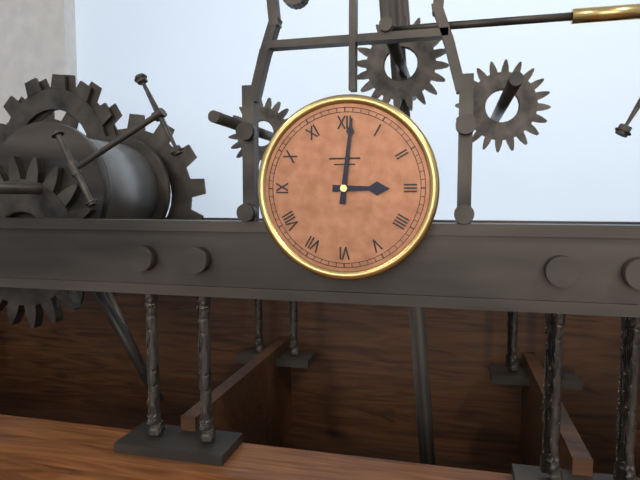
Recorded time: 3:01
